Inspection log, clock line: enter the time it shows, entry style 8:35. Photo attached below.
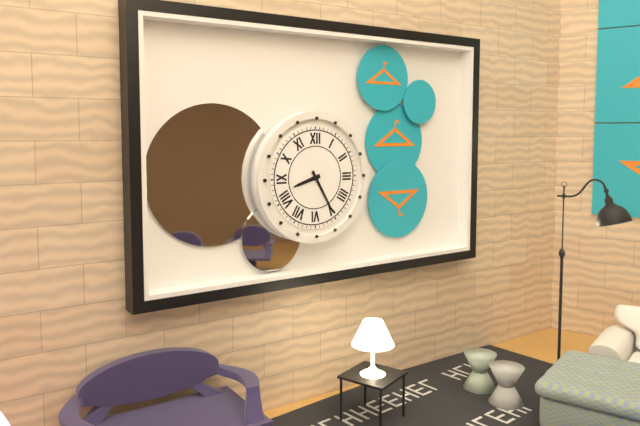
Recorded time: 8:25
